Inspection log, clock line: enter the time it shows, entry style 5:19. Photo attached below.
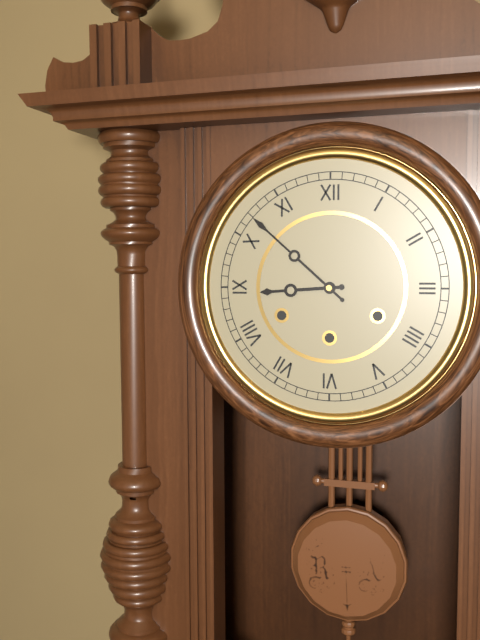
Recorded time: 8:52
